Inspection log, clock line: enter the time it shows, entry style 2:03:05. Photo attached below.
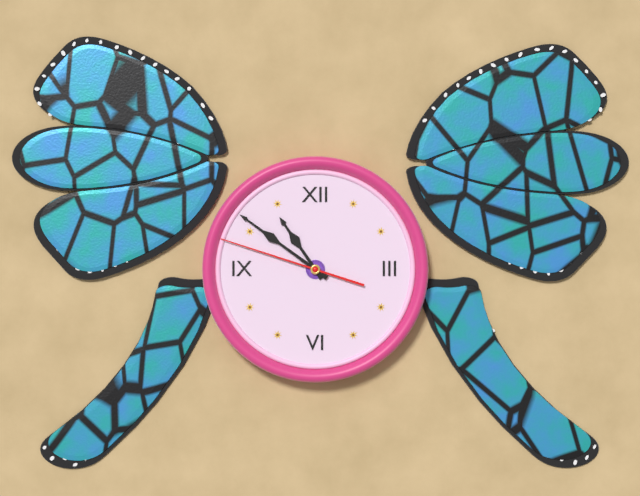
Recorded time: 10:51:48
